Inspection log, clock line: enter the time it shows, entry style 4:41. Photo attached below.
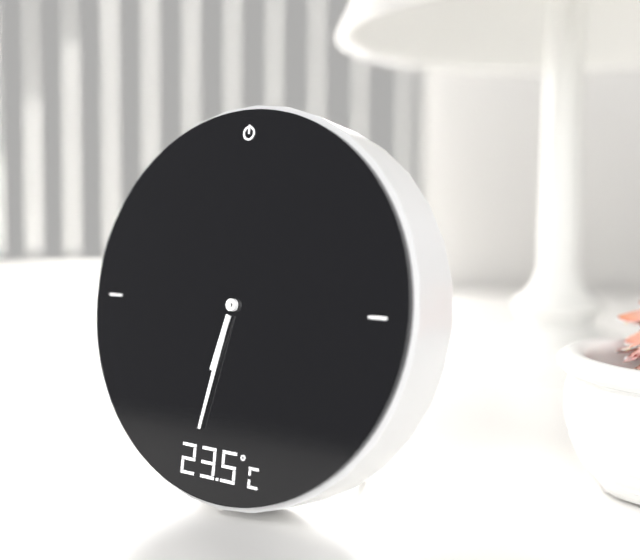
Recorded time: 6:32
